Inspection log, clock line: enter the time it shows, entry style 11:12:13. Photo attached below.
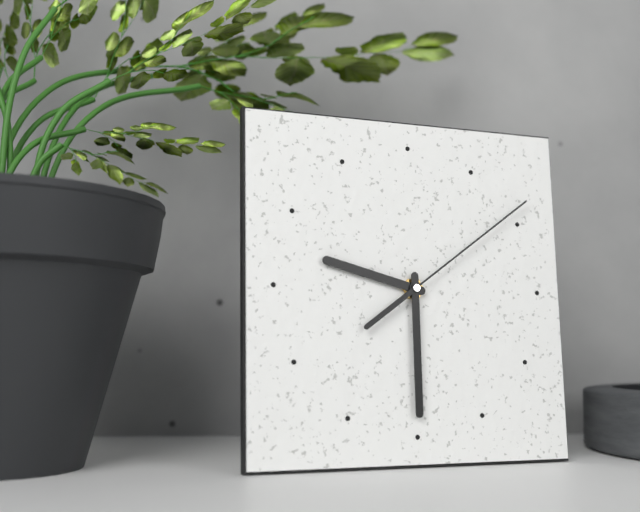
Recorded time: 9:30:09
